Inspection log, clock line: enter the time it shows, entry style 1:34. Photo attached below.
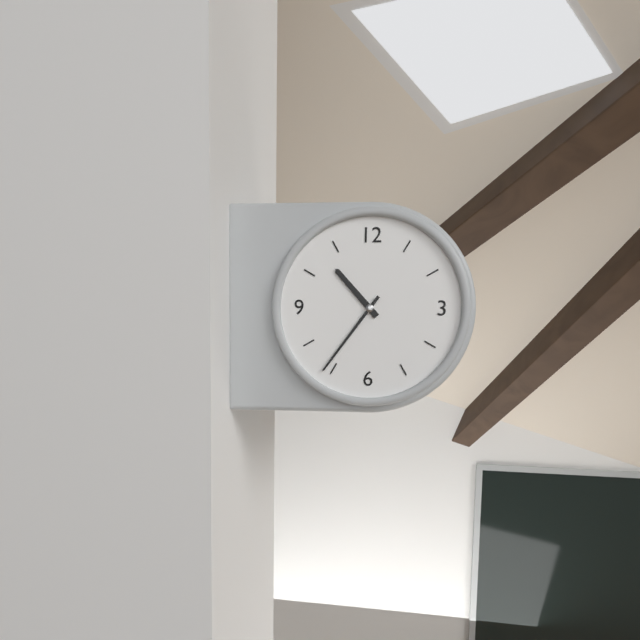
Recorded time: 10:36
